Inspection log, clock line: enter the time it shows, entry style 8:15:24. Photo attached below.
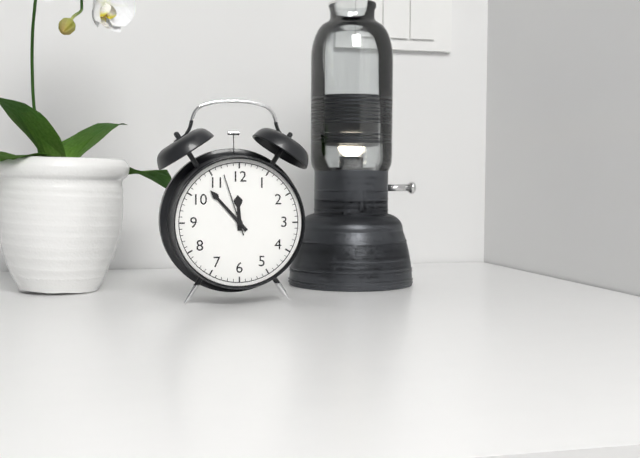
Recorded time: 11:53:57
